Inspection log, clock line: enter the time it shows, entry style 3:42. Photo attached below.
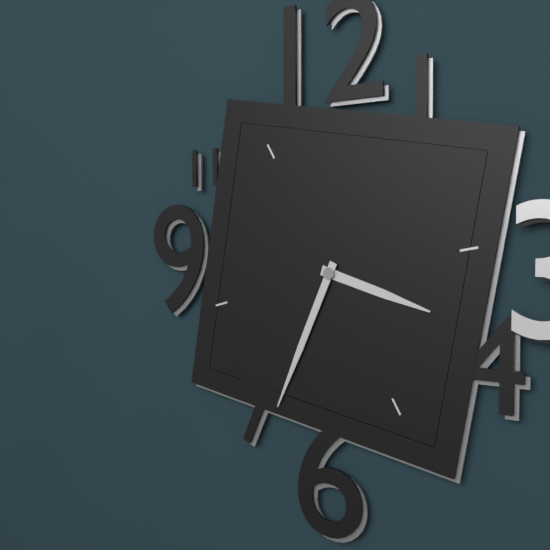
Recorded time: 3:34
